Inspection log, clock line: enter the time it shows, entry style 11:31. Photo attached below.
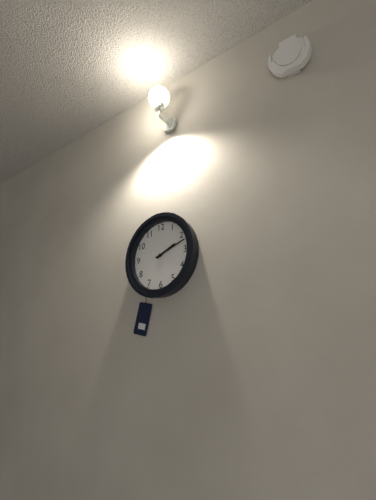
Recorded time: 2:12
